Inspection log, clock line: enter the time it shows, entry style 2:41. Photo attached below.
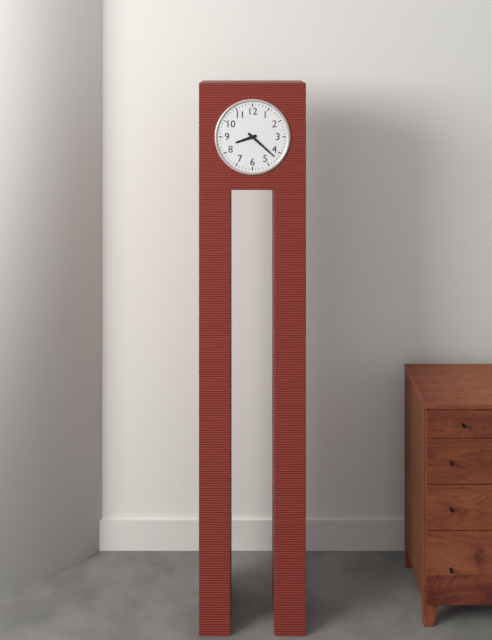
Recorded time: 8:22
